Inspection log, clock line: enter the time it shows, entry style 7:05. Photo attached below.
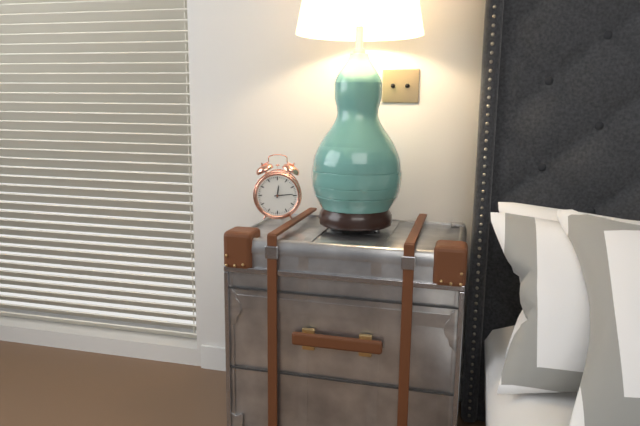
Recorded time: 12:14
